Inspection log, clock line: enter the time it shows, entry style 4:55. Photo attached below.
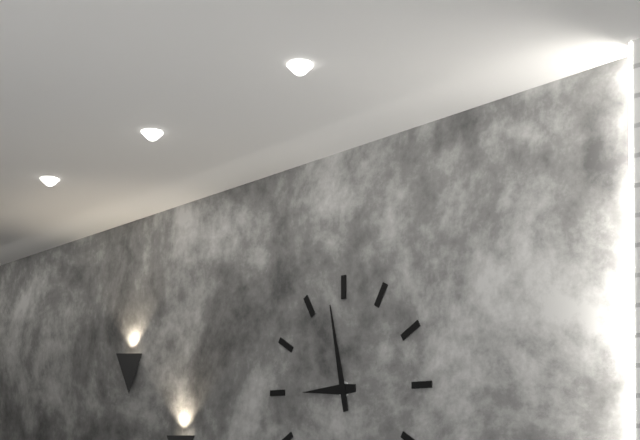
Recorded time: 8:58
